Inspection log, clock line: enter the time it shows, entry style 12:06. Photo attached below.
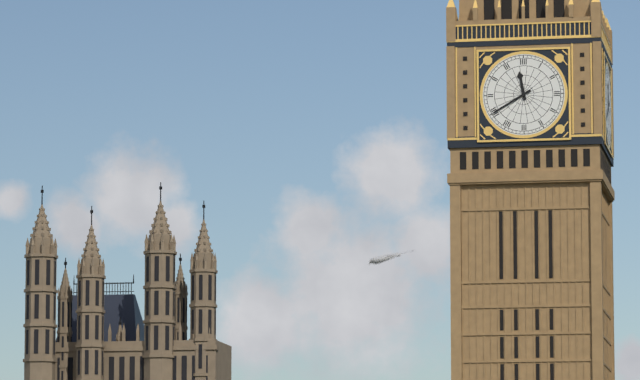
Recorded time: 11:40
